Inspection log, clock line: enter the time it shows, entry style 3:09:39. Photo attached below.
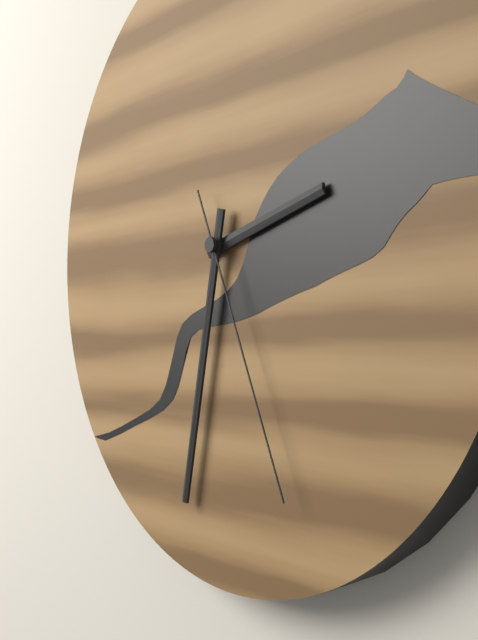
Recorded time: 2:32:26
